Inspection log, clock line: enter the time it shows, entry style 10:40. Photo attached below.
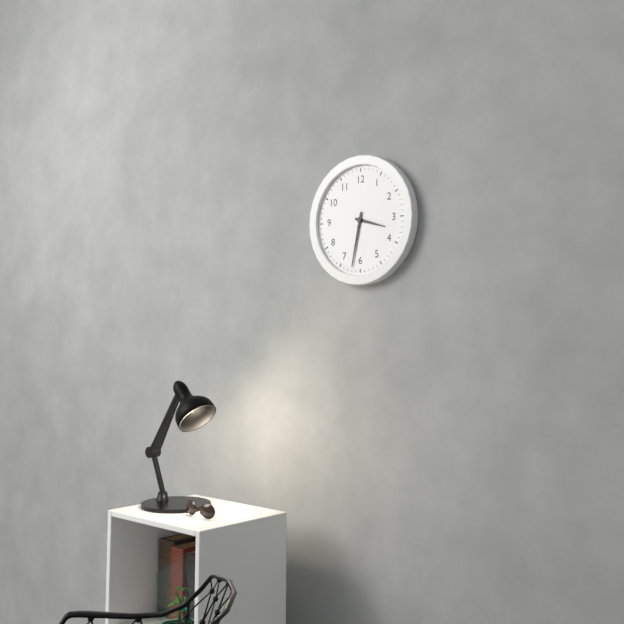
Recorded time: 3:32
